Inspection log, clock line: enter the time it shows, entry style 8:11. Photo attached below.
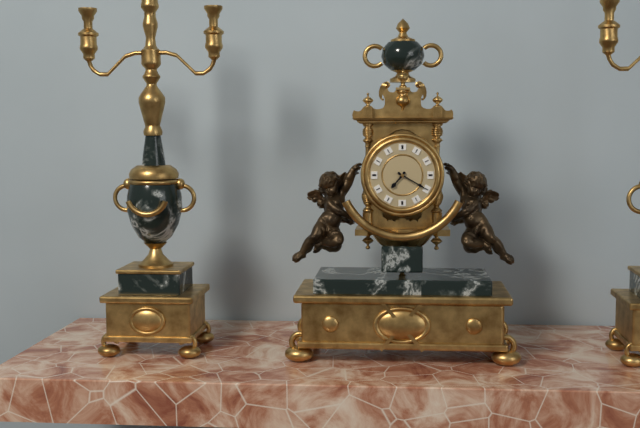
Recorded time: 7:20
